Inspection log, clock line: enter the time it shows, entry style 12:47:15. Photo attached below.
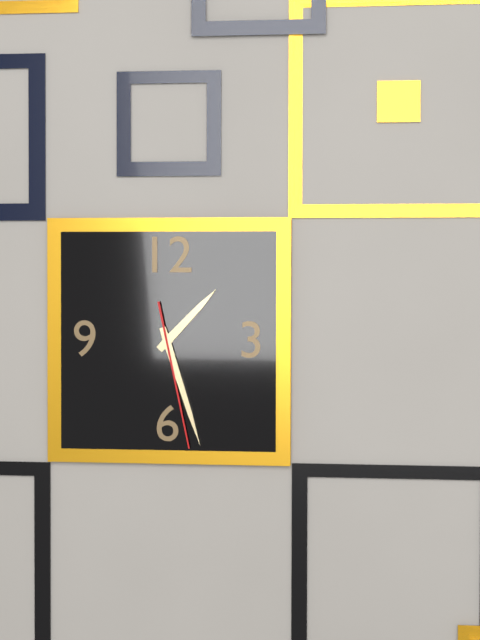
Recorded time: 1:27:28
